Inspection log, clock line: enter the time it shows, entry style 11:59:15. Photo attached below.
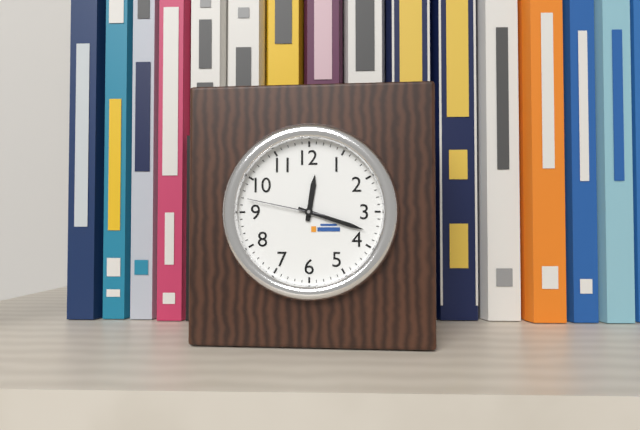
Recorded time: 12:18:47
